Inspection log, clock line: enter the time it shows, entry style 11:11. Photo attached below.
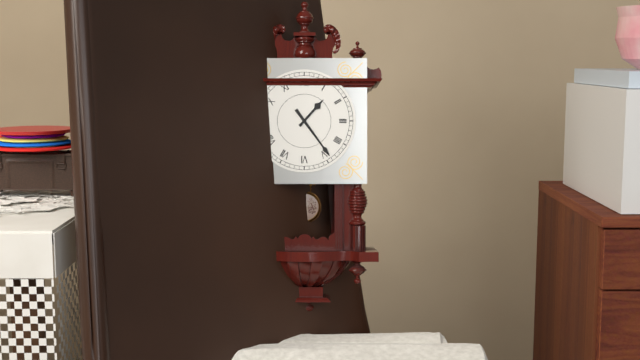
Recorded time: 1:24
